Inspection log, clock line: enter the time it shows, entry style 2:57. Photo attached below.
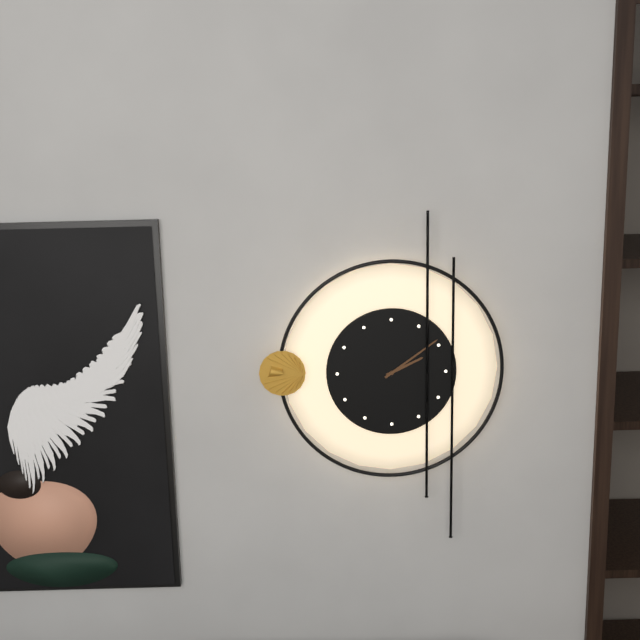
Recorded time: 2:09
